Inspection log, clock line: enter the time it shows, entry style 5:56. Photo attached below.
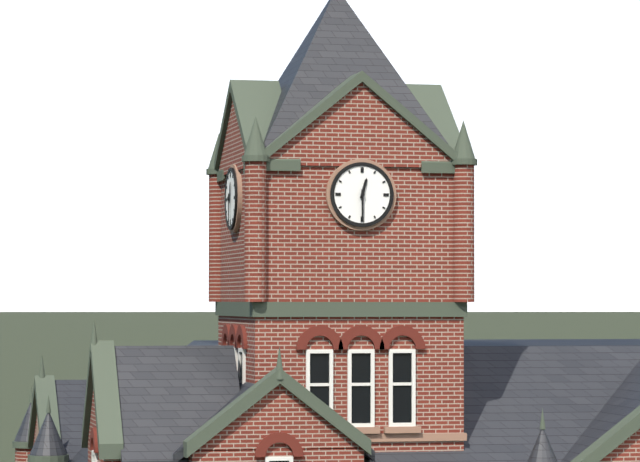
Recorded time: 12:30
